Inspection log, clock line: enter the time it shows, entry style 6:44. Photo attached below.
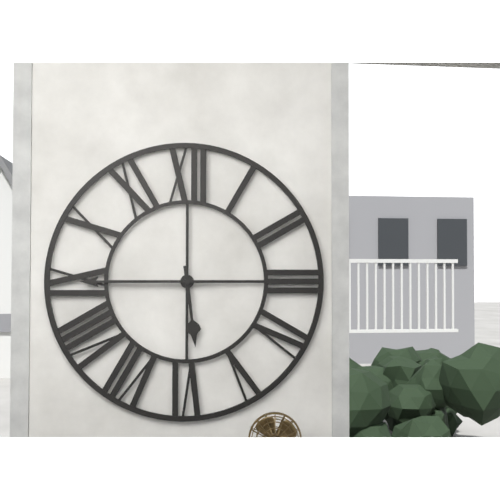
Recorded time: 5:45
